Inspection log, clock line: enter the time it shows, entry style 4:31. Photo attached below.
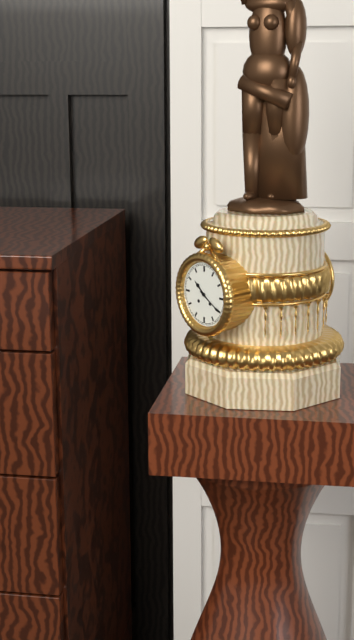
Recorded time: 10:20
